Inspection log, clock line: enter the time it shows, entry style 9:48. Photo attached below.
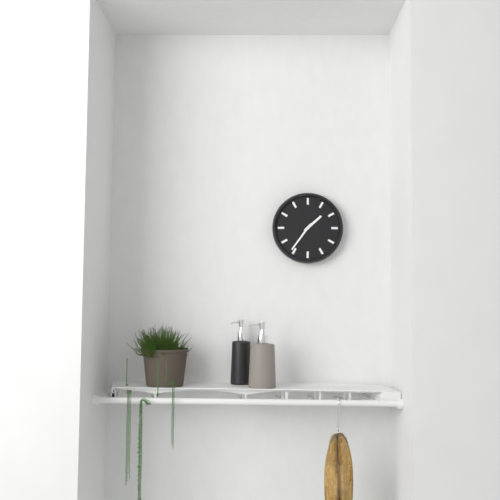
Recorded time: 1:36
